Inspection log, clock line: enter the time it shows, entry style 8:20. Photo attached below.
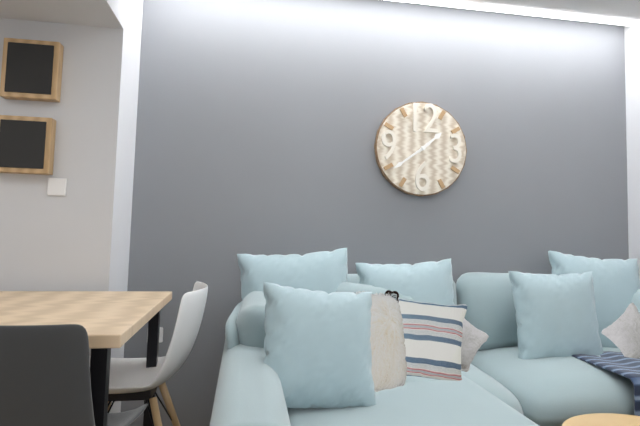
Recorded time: 1:39
